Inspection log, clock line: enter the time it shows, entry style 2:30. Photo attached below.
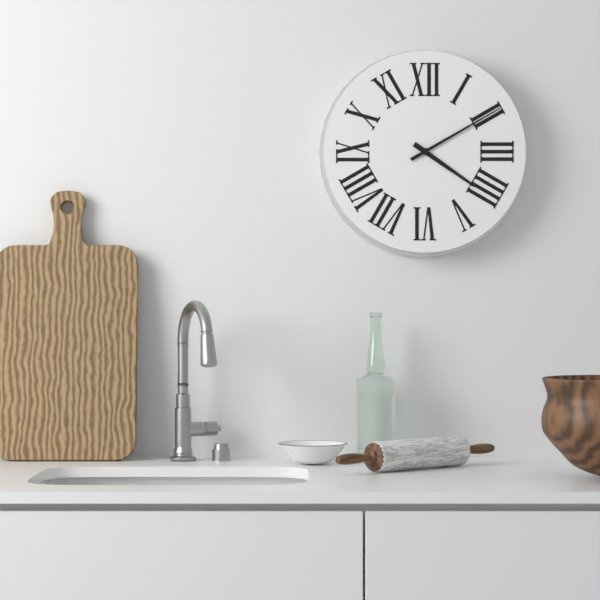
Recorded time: 4:10
